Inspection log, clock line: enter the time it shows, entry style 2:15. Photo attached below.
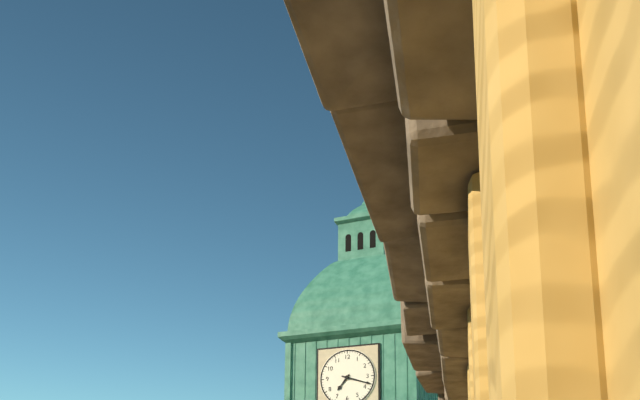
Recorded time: 7:18
